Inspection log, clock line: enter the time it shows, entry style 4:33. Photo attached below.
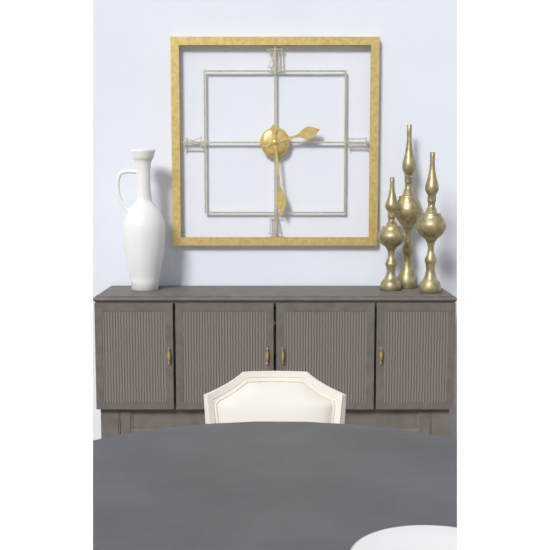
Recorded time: 2:29
